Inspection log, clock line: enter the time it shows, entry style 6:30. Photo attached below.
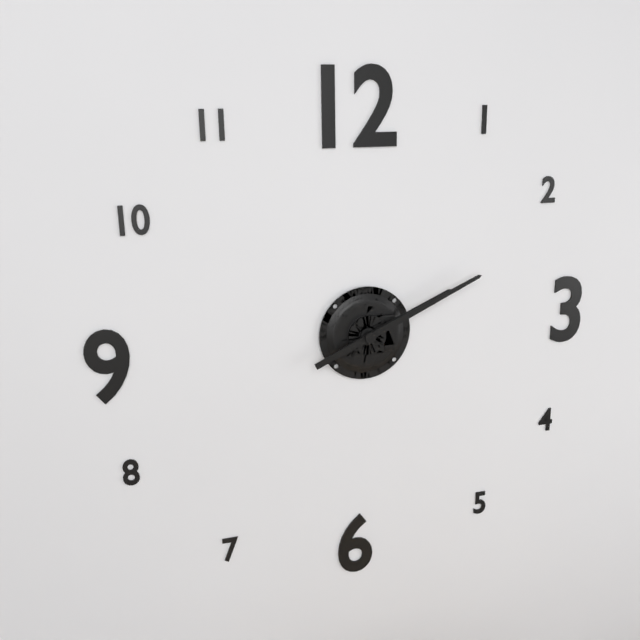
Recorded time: 2:11
